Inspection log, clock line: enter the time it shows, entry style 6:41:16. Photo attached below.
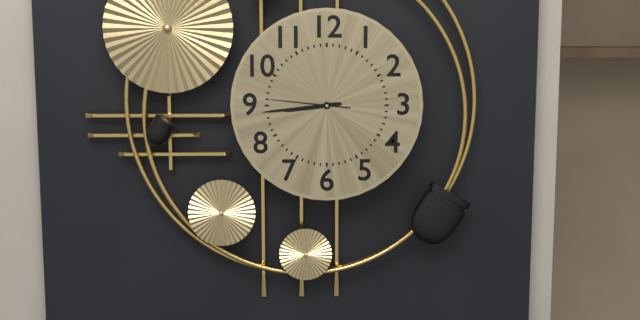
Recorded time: 8:44:46
